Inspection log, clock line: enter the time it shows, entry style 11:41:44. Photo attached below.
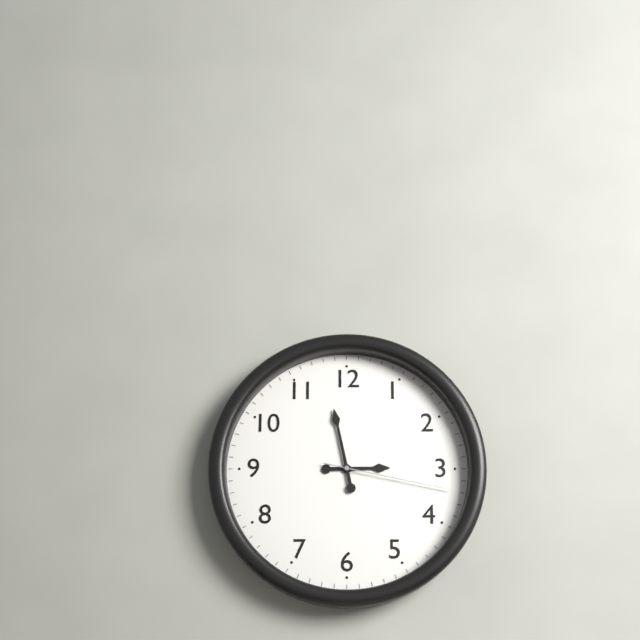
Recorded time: 2:58:17
